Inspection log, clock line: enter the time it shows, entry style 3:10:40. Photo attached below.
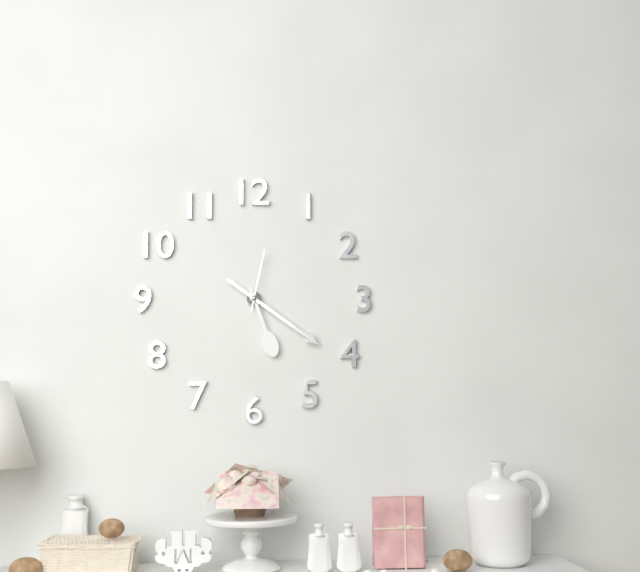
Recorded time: 5:21:02
